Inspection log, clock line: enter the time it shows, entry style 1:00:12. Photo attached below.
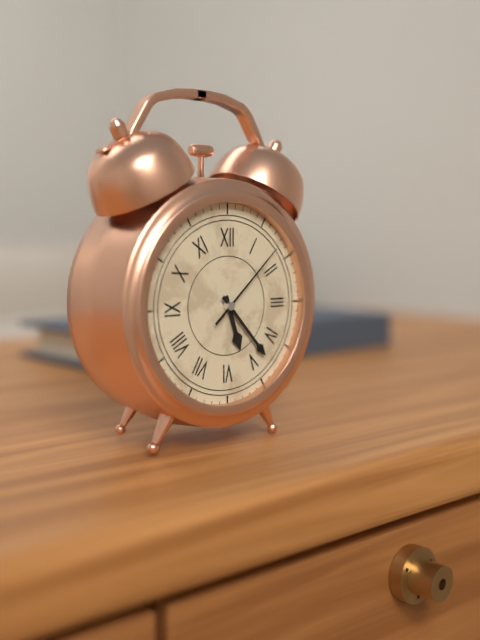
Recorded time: 5:23:08
